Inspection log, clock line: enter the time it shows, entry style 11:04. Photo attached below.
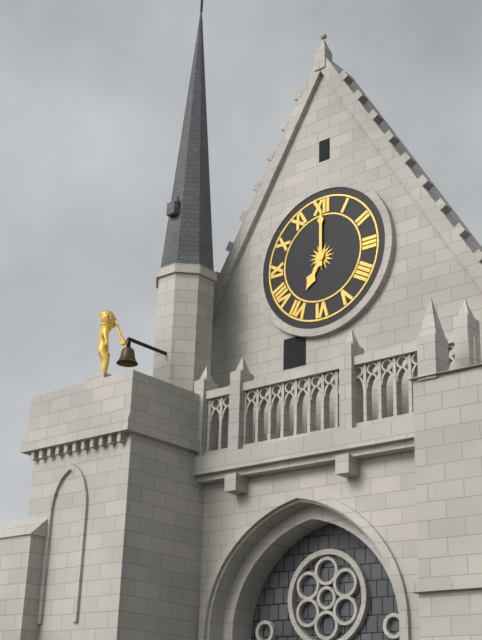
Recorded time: 7:00
